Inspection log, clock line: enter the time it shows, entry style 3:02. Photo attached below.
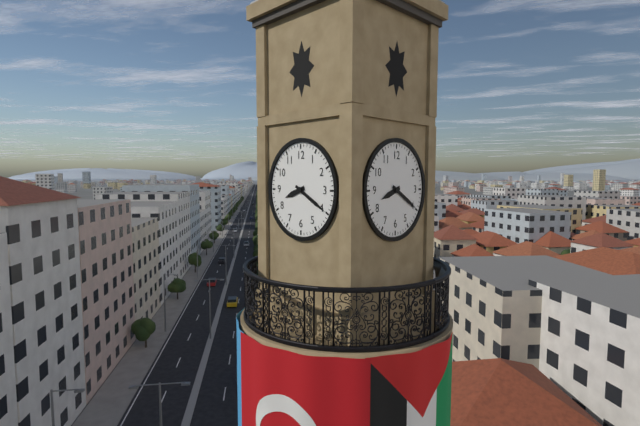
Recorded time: 8:20
